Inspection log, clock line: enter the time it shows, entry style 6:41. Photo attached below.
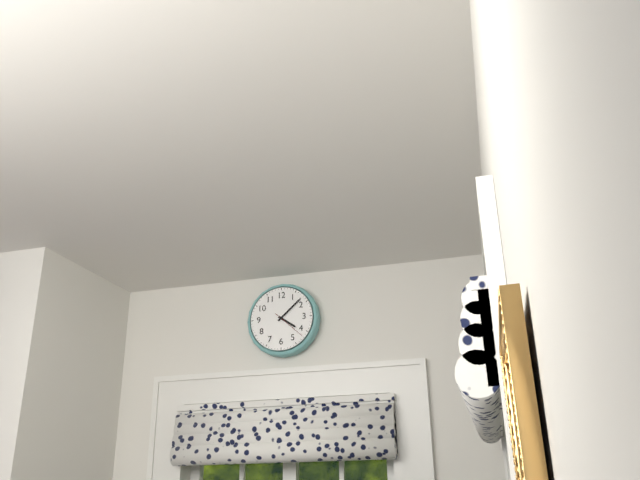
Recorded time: 4:08
